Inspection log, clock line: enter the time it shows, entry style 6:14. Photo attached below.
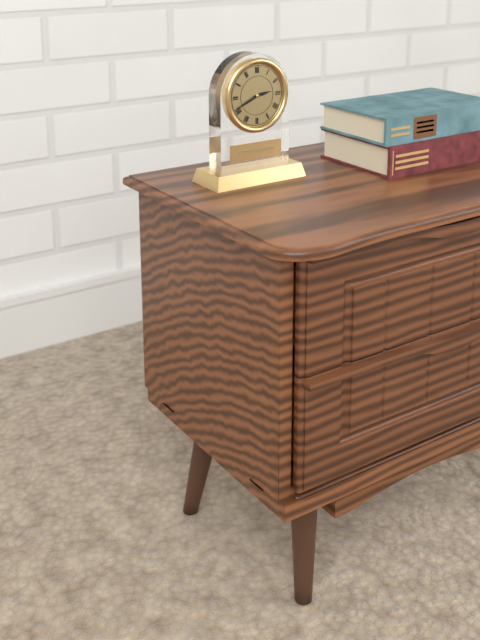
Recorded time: 2:41
